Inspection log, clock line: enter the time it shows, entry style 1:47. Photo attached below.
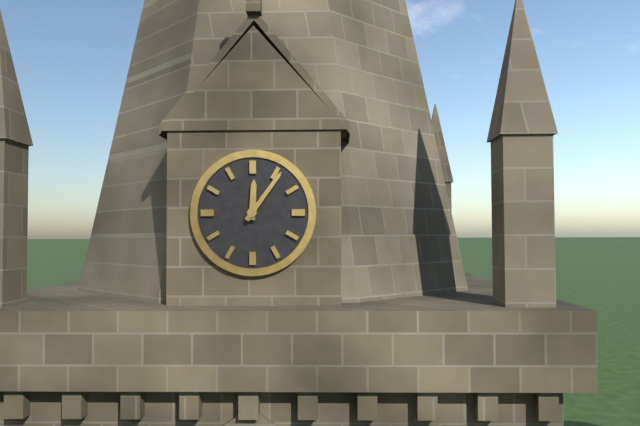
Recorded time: 12:06
